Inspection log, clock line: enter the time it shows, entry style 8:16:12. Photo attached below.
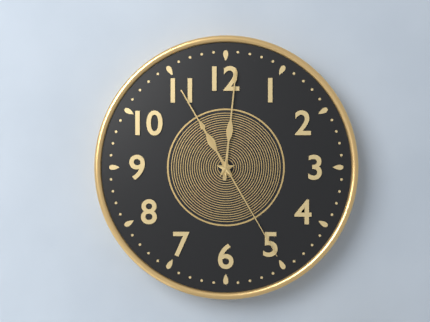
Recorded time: 11:01:25
